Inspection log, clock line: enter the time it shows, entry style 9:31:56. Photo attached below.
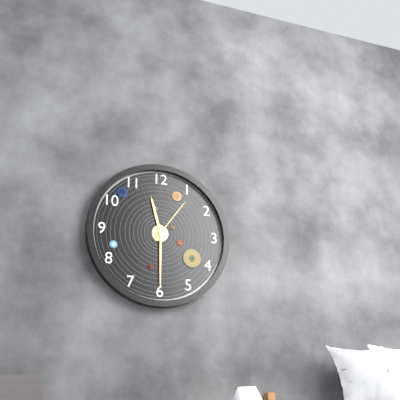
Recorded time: 11:30:06
